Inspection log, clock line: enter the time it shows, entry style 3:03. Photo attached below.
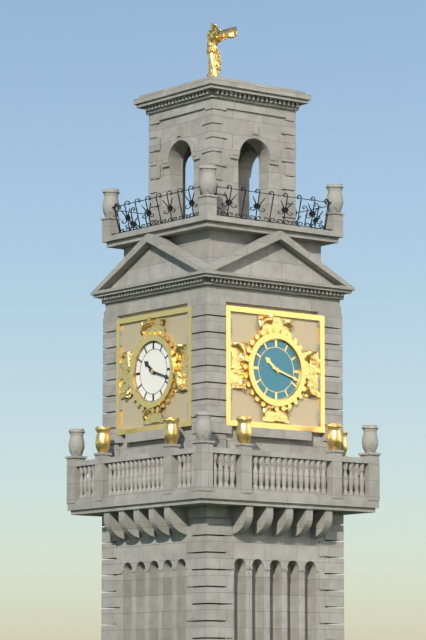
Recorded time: 10:18
